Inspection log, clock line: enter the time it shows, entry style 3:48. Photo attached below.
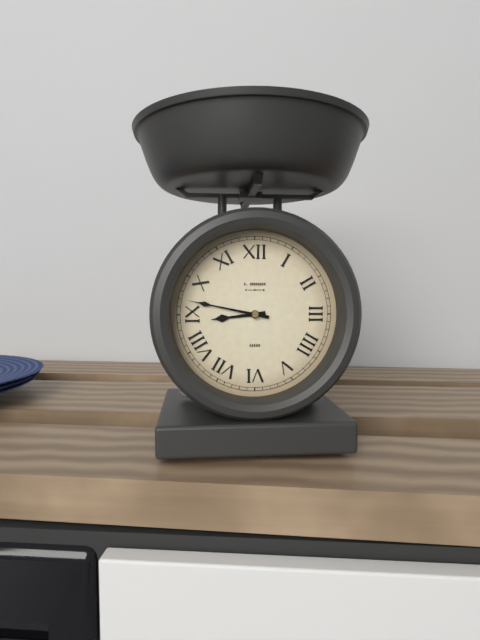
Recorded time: 8:47
